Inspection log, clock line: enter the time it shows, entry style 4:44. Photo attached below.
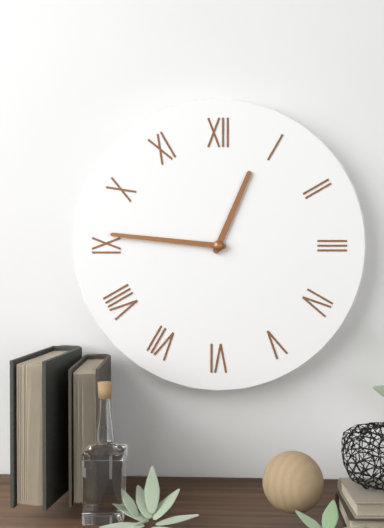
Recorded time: 12:46
